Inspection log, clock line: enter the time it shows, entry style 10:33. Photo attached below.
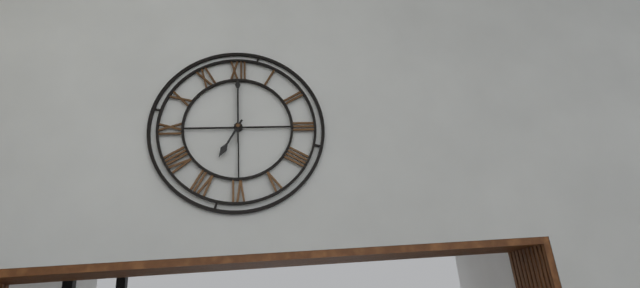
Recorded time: 7:00
